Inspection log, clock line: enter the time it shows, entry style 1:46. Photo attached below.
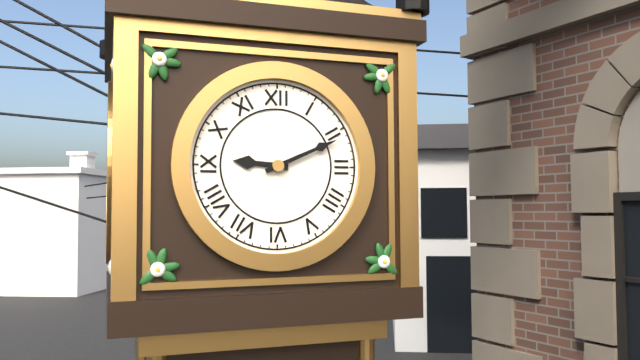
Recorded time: 9:11
